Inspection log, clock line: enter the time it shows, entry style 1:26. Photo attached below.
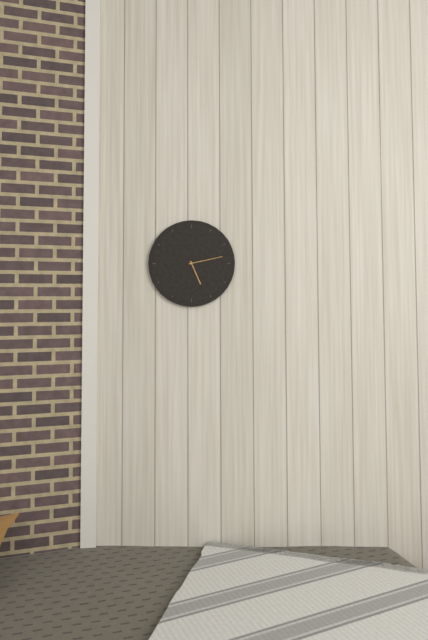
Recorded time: 5:13
